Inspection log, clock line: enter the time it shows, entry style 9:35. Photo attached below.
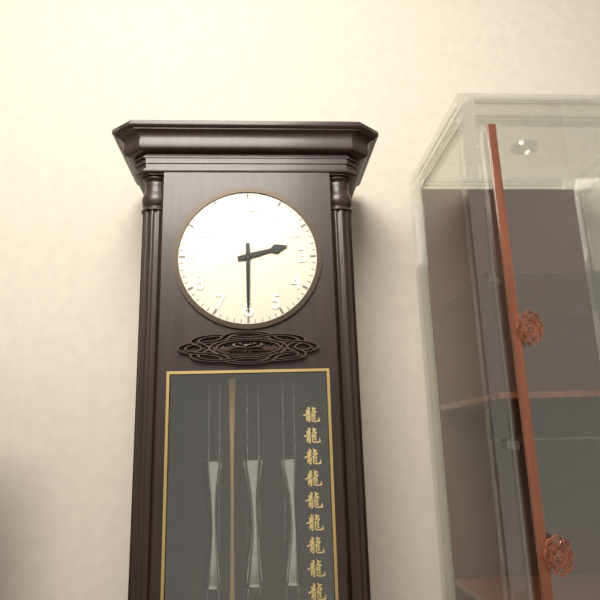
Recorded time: 2:30
